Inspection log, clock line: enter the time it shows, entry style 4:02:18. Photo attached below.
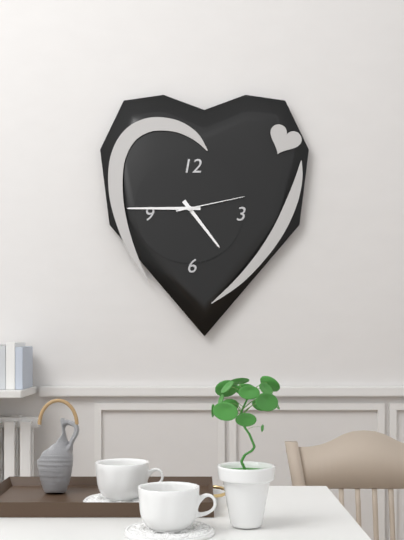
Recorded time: 4:45:13
